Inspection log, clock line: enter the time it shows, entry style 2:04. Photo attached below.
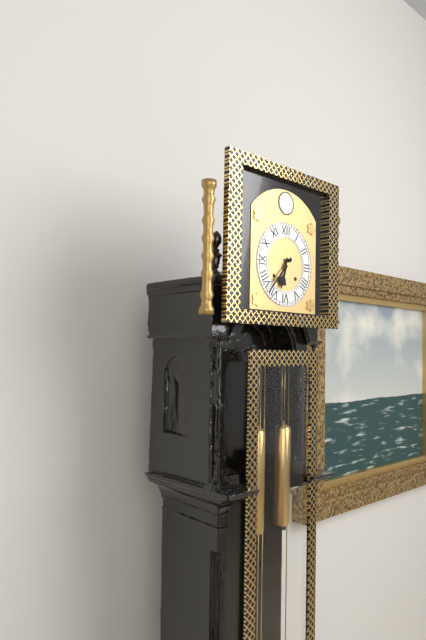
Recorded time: 6:37
